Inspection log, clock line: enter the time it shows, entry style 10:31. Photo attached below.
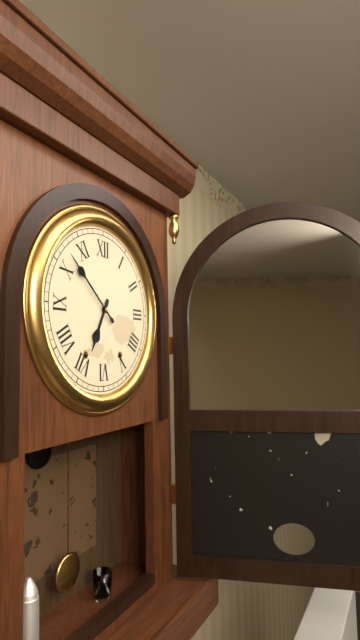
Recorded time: 6:52
